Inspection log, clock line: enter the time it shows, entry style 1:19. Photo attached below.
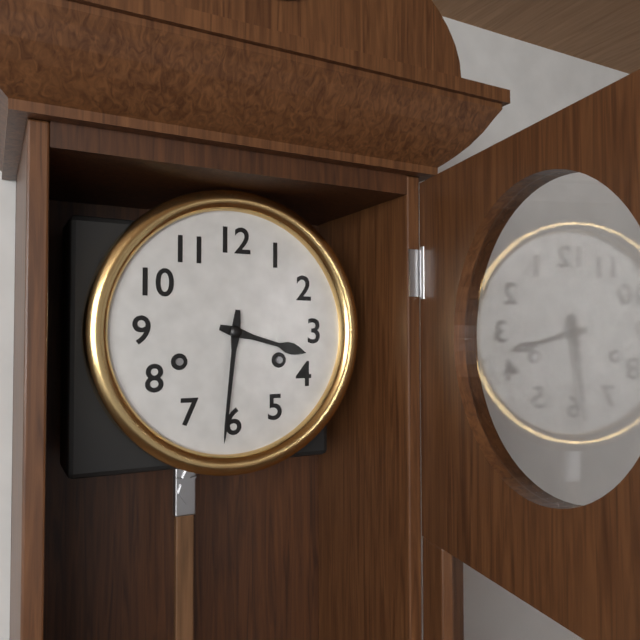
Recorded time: 3:31
